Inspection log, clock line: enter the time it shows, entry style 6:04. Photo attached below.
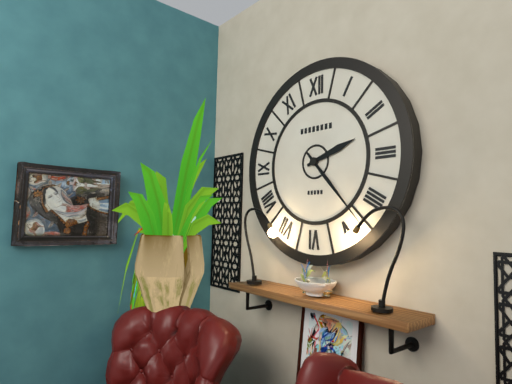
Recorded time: 2:23
